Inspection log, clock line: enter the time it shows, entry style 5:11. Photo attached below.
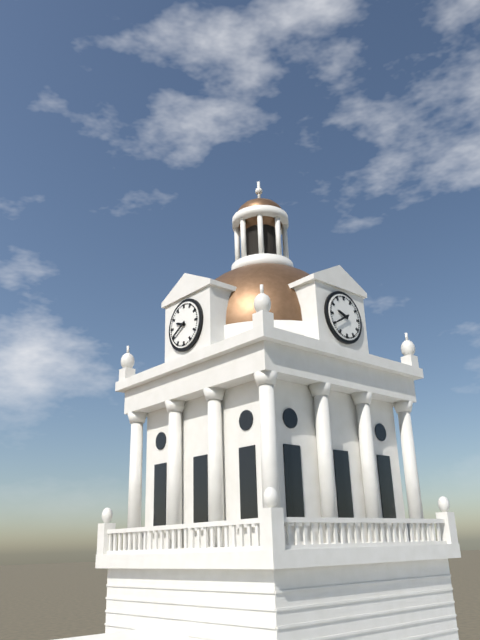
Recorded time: 9:40
